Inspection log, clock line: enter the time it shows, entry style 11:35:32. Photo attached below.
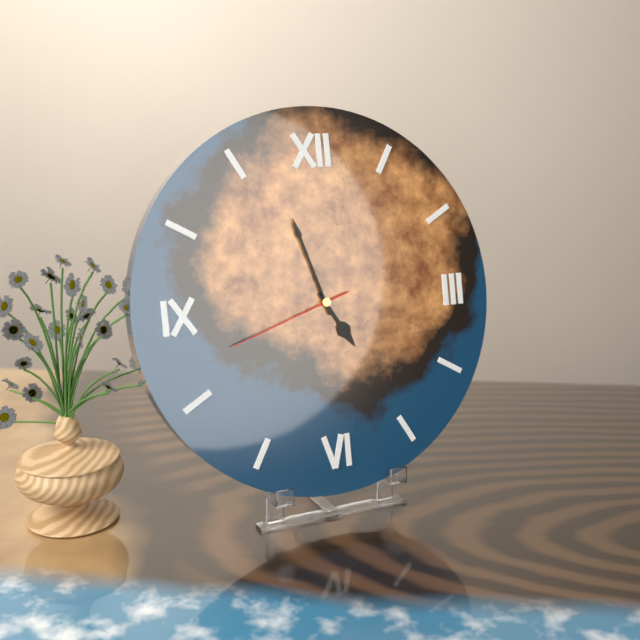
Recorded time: 4:57:42
